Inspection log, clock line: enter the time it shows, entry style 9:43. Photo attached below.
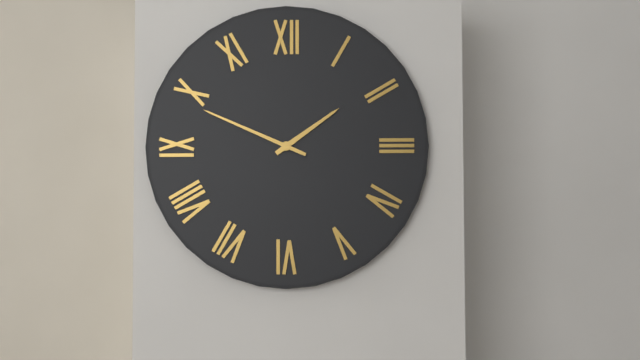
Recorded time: 1:49
